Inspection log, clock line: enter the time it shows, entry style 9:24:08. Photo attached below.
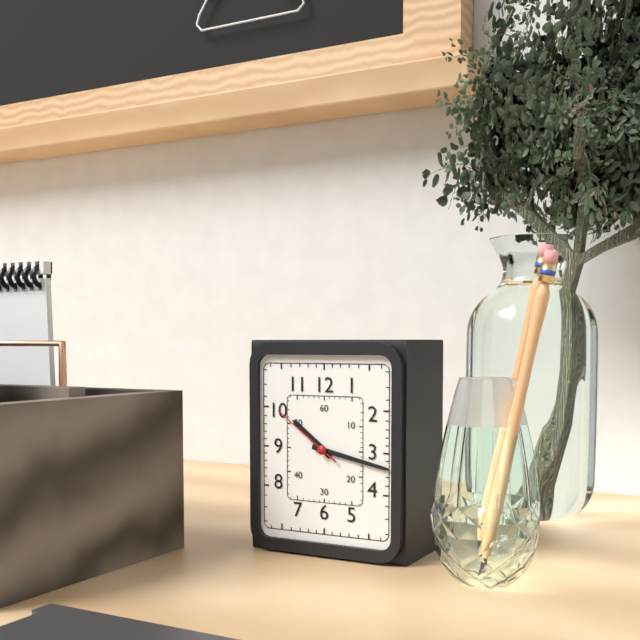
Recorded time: 10:17:51
